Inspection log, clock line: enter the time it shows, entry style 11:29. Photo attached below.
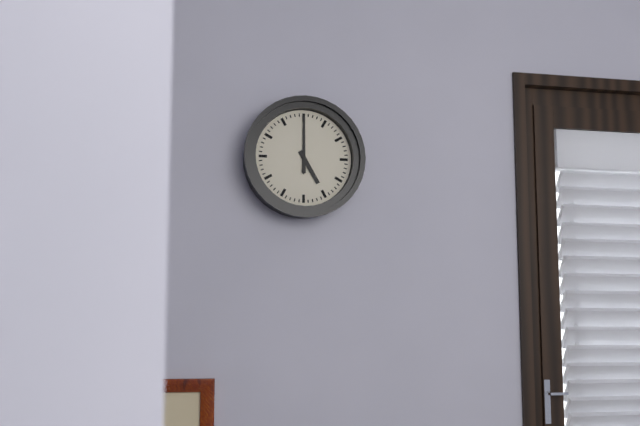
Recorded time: 5:00
